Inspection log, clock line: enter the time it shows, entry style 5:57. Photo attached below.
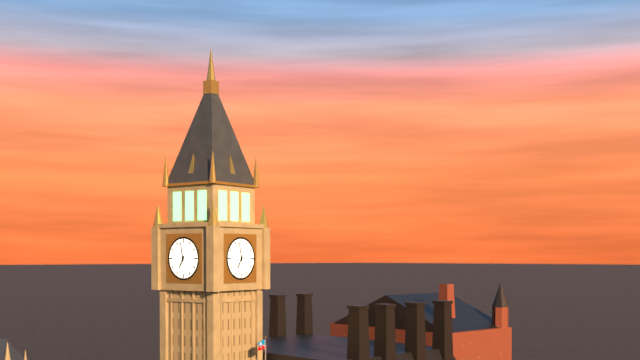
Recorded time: 6:58
